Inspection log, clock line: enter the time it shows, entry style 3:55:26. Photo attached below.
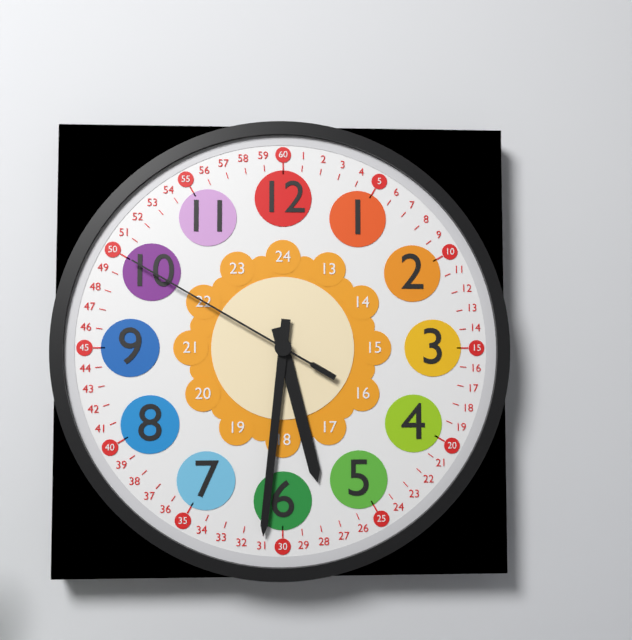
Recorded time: 5:31:50
